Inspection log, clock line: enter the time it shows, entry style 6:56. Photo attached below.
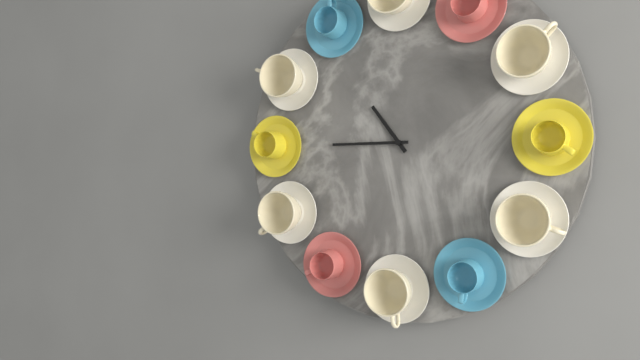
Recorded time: 10:45
